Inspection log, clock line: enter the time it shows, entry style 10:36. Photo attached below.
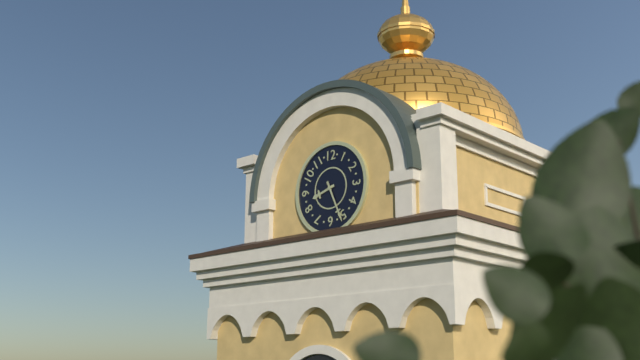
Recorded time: 8:26
